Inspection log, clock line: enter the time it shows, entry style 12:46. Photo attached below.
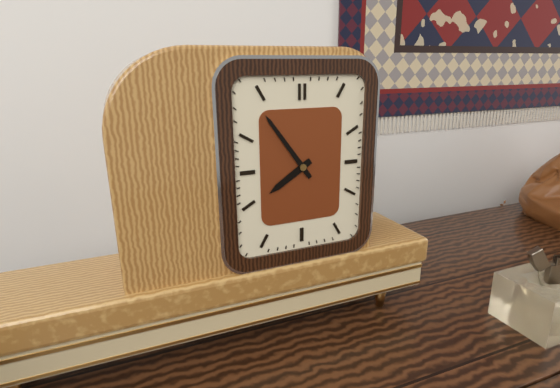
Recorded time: 7:54
